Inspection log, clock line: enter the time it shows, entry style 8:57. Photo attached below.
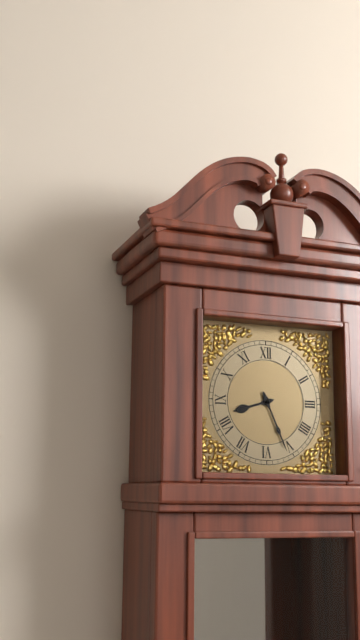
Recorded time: 8:26
